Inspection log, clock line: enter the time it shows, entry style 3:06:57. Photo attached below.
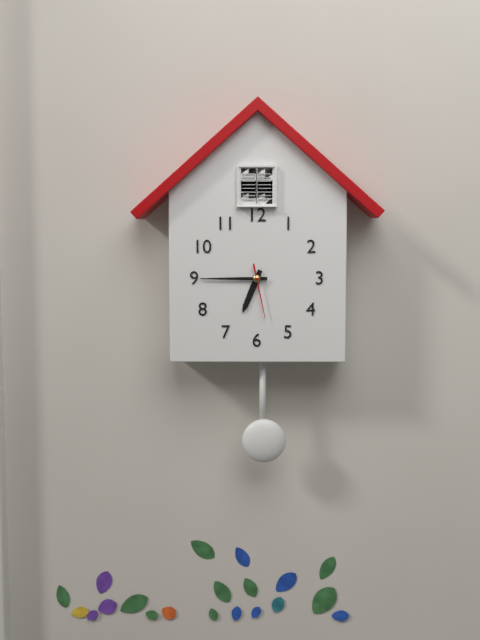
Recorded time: 6:45:28
